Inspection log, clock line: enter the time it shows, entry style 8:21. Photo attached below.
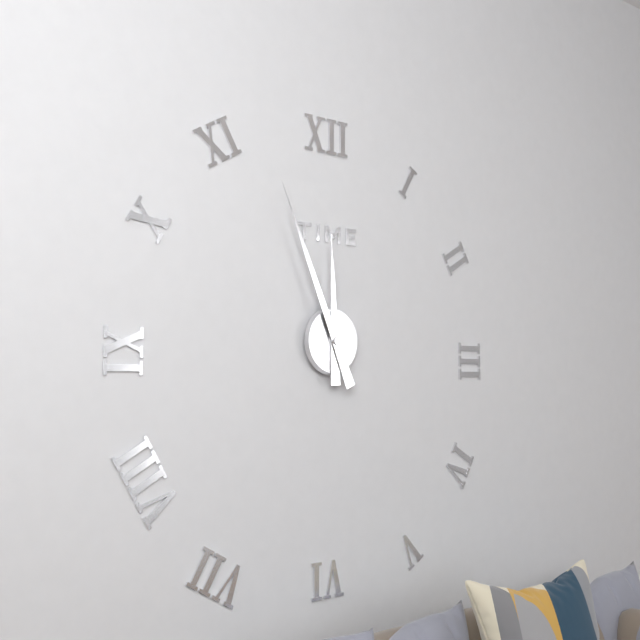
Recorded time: 11:56
